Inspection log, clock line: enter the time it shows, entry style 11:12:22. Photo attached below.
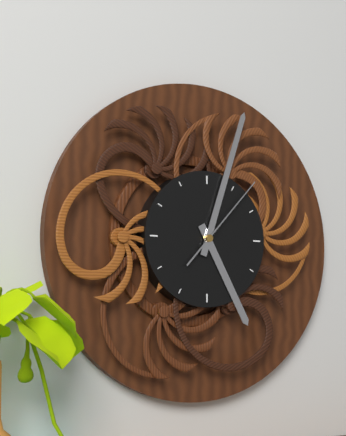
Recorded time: 5:03:07
